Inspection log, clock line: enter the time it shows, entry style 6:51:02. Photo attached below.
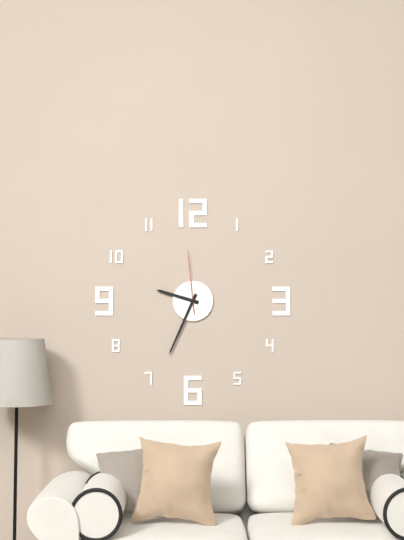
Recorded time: 9:34:59
